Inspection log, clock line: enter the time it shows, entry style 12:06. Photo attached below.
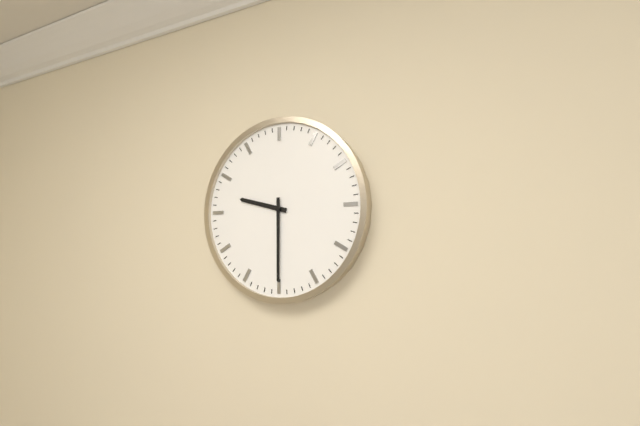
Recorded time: 9:30
